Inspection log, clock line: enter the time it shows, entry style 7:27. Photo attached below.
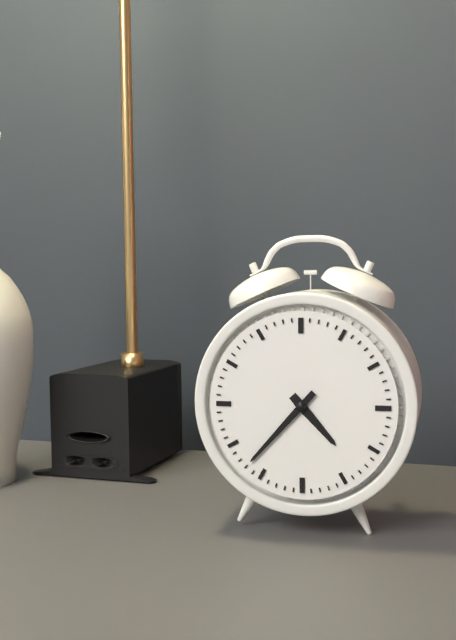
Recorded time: 4:37
